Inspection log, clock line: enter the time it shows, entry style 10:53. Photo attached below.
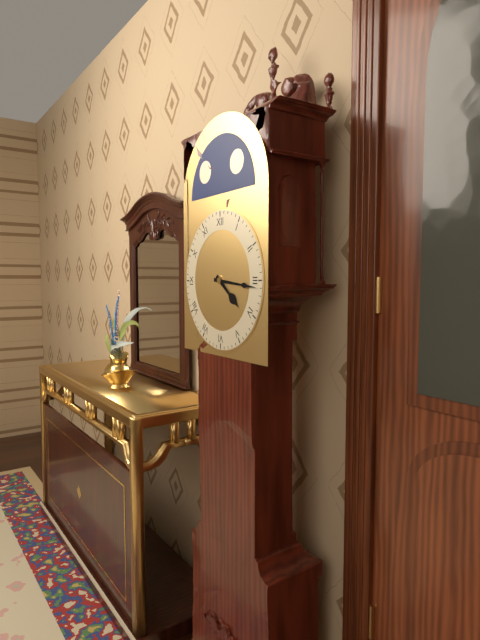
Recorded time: 4:16
